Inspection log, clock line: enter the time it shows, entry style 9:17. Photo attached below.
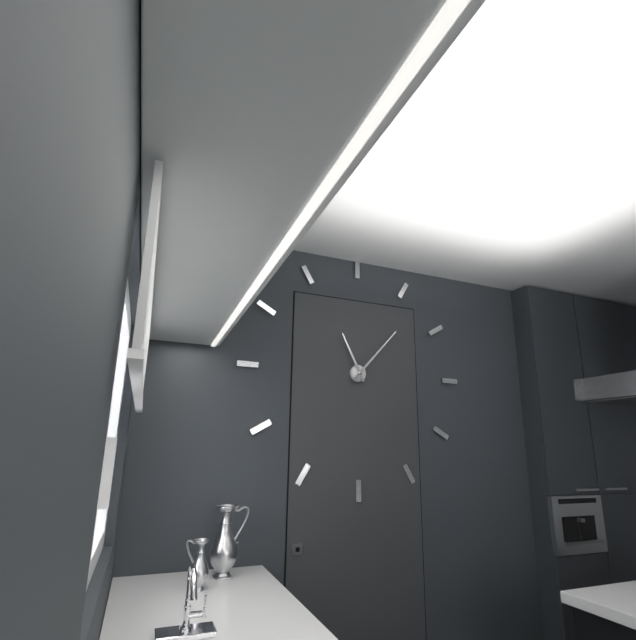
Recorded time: 11:07
